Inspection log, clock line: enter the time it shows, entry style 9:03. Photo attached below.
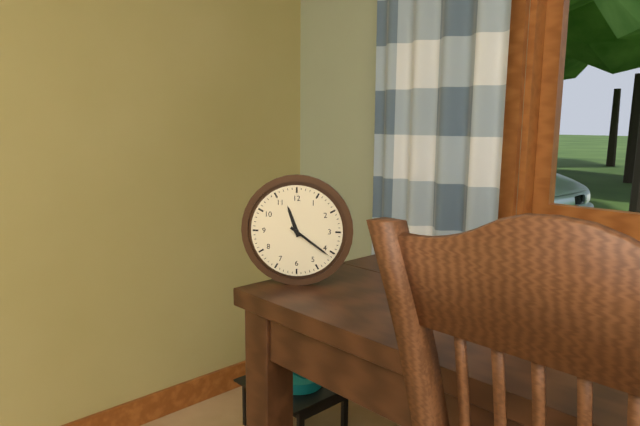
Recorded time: 11:21
